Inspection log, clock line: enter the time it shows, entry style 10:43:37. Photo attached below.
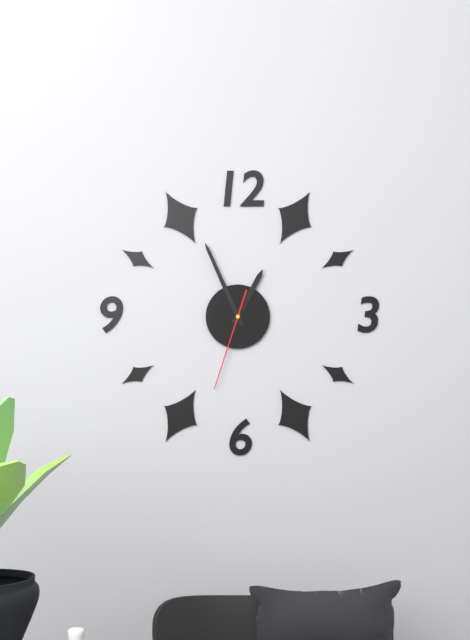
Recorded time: 12:56:33
